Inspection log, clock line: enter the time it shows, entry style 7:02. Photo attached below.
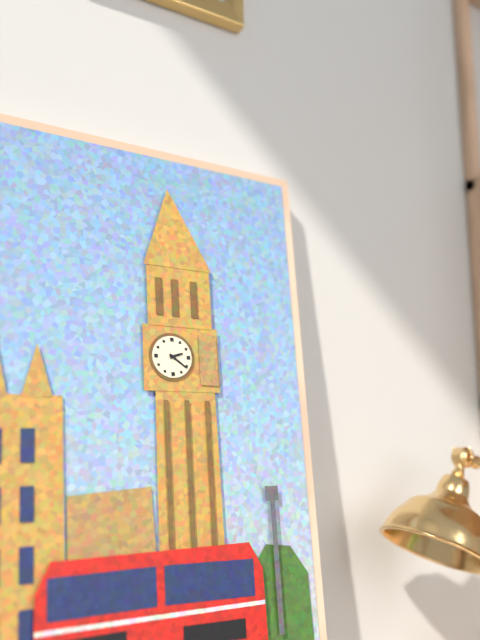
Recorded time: 2:21
